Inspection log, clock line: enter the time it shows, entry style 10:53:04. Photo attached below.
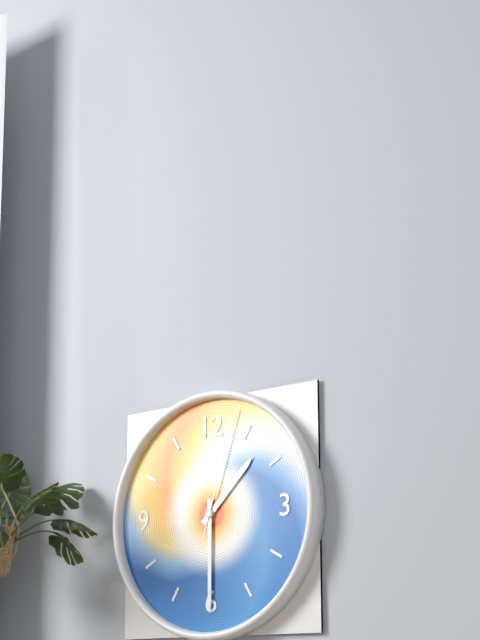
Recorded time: 1:30:03
